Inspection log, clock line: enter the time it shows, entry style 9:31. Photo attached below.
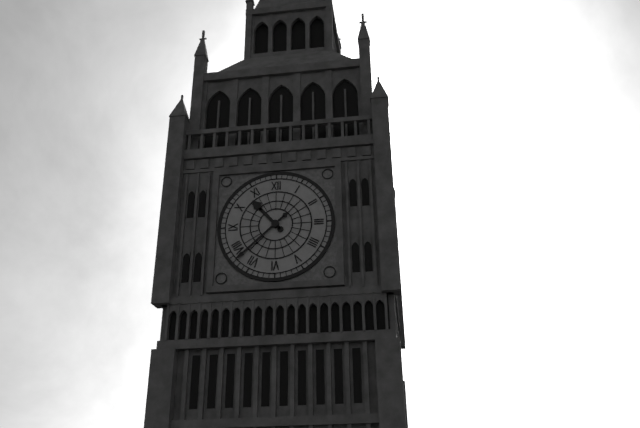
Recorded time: 10:38
